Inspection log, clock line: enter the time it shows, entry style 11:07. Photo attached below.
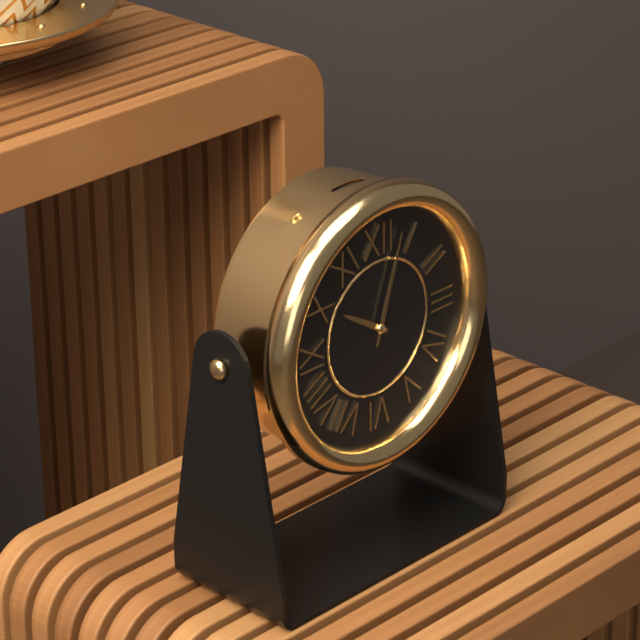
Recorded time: 10:03
